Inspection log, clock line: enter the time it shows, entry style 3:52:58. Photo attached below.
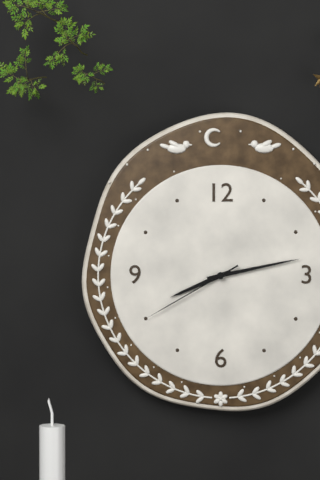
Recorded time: 8:13:40
